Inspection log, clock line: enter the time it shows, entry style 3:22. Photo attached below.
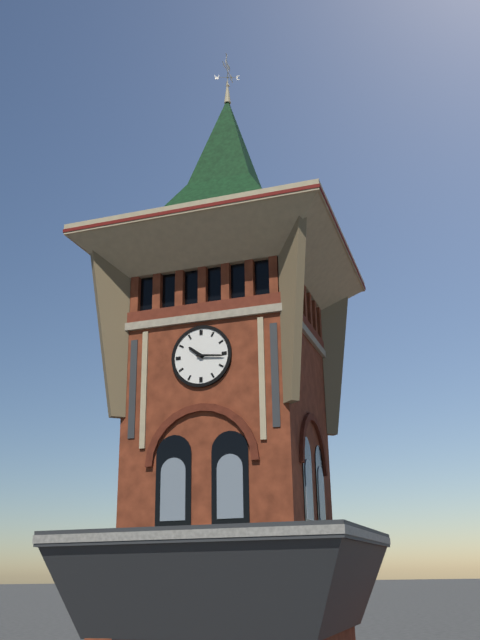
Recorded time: 10:16
